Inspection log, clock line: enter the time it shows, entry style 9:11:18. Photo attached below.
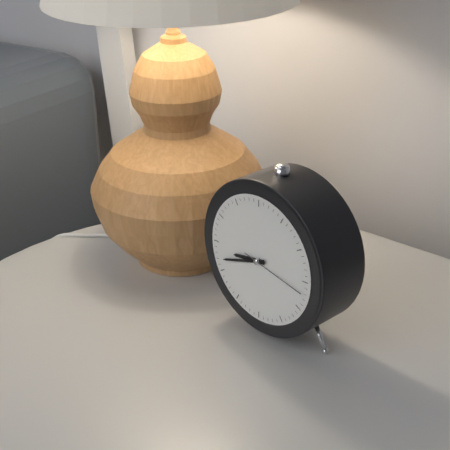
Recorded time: 8:42:17
